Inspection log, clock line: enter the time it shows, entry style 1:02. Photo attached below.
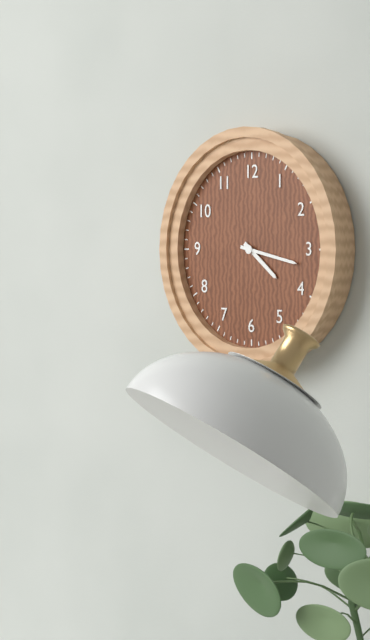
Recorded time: 4:17
